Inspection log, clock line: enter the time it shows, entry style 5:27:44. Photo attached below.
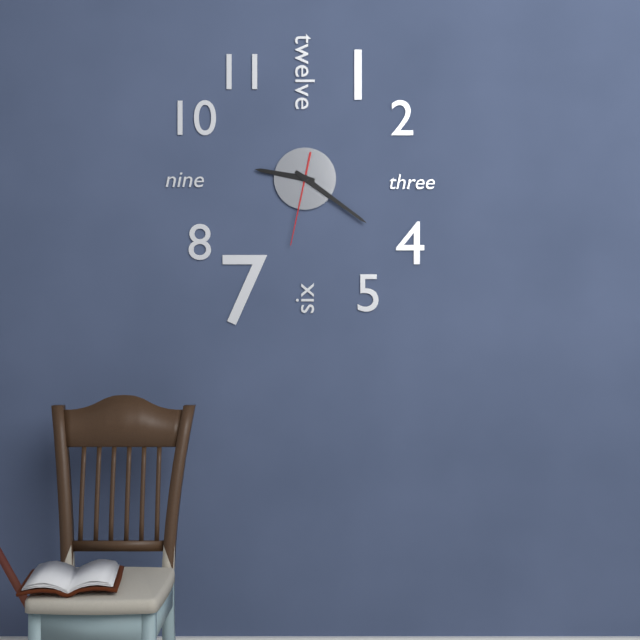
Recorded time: 9:21:32
